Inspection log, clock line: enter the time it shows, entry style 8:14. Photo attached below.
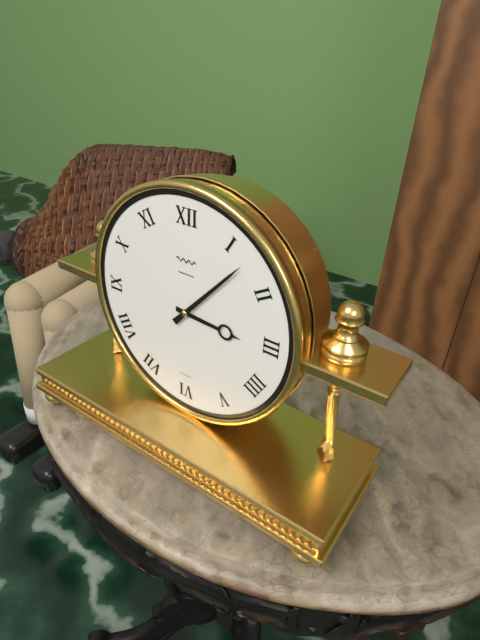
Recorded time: 3:07
